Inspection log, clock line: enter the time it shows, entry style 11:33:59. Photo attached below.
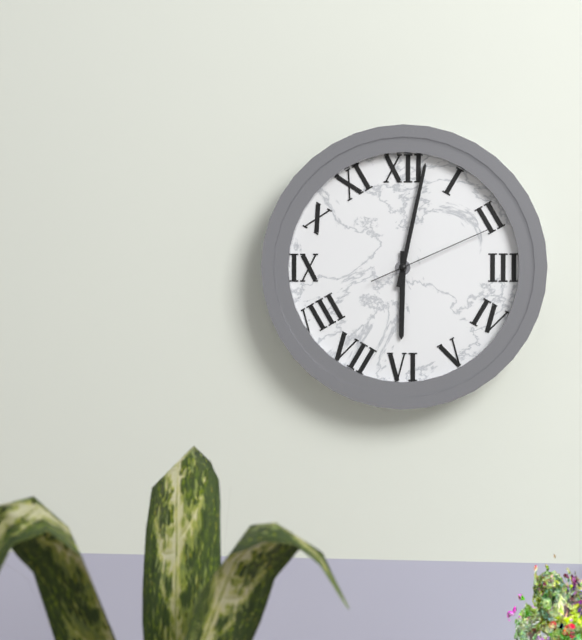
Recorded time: 6:02:11
